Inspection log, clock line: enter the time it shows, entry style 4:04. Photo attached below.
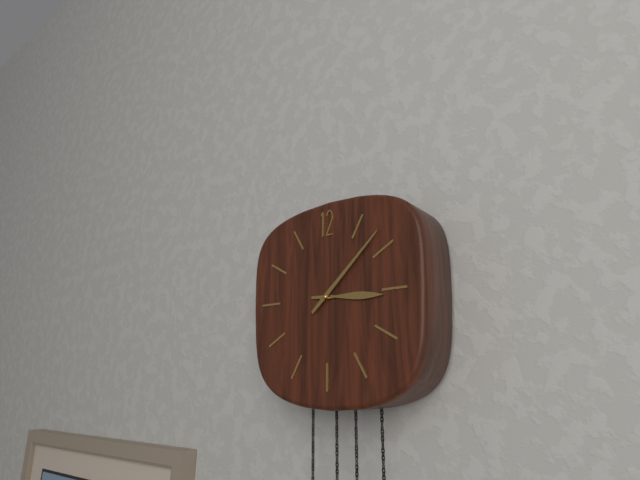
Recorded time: 3:08
